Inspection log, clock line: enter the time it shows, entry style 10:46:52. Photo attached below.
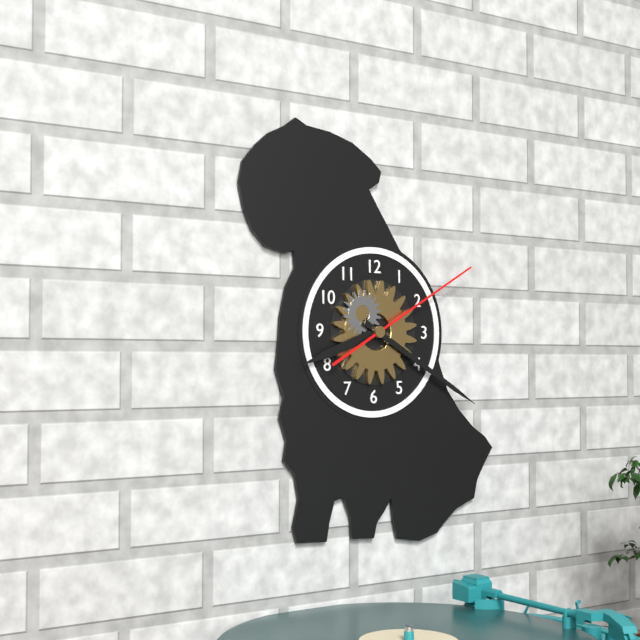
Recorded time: 8:20:10
